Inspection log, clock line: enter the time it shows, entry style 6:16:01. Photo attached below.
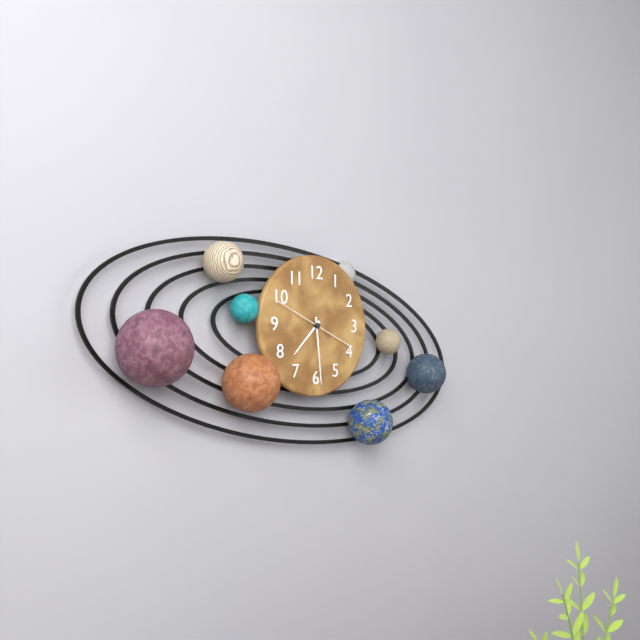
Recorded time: 7:29:49
